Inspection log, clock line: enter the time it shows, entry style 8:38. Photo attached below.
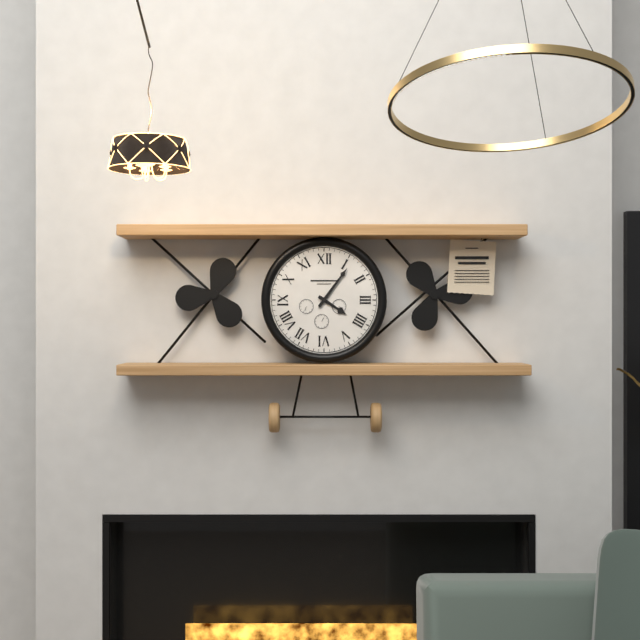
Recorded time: 4:06
